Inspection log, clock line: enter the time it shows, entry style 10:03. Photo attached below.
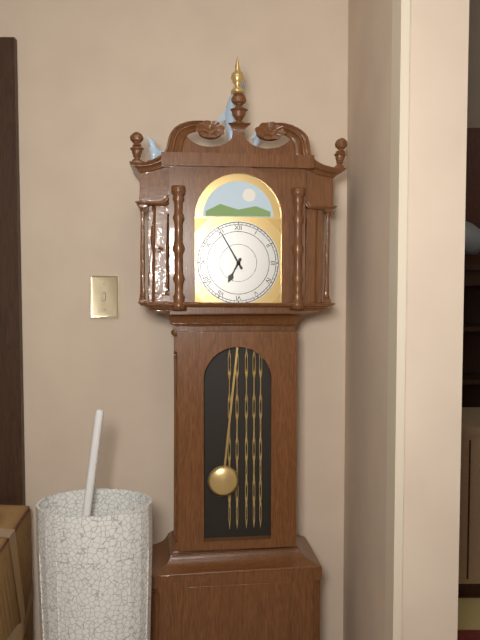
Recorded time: 6:55
